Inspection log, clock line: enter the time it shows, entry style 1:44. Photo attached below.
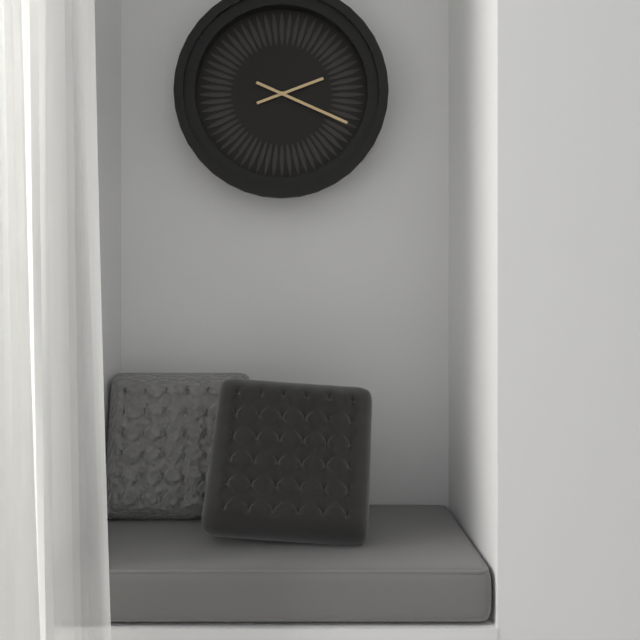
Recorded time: 2:19
